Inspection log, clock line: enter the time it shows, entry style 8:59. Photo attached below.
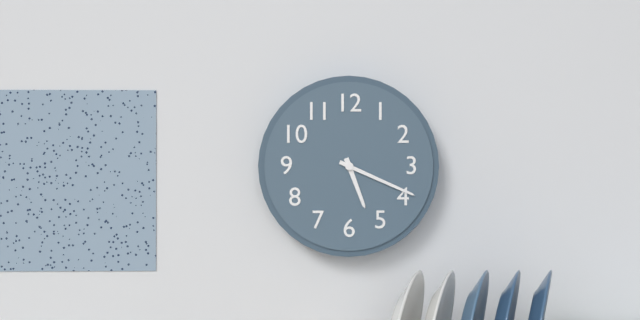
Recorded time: 5:19
